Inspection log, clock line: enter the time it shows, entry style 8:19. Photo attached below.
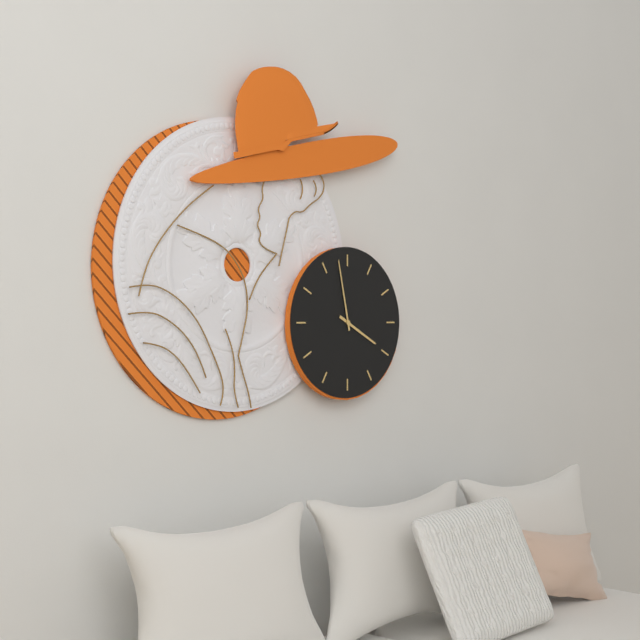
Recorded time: 3:58
